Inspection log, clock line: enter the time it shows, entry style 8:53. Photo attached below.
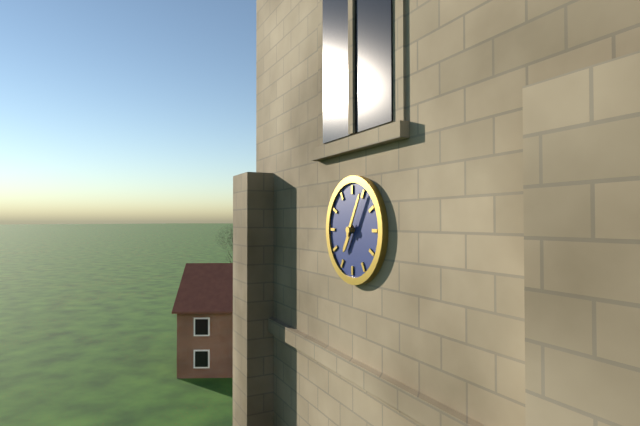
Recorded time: 7:05
